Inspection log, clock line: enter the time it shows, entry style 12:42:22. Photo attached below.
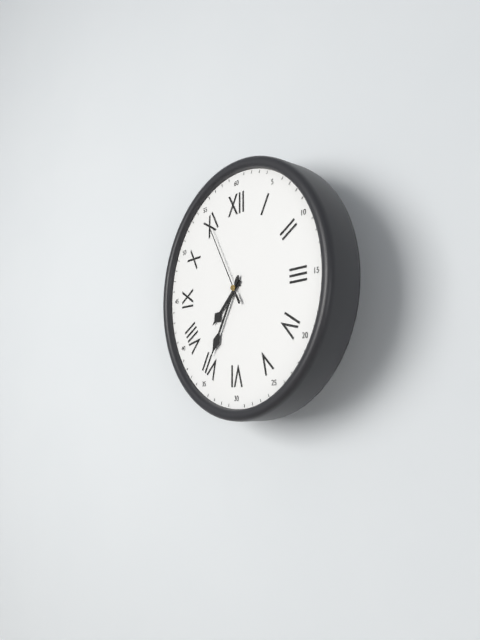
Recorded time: 7:35:55
